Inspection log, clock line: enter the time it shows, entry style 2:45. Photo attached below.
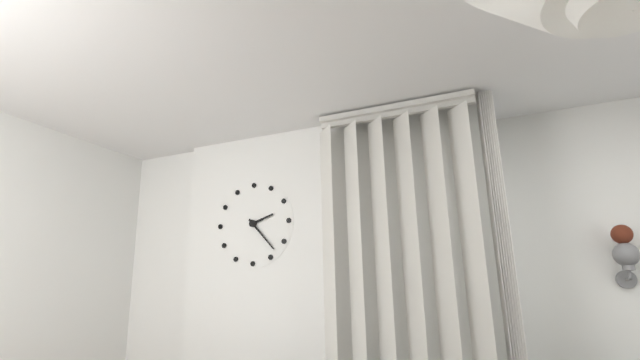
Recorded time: 2:23
